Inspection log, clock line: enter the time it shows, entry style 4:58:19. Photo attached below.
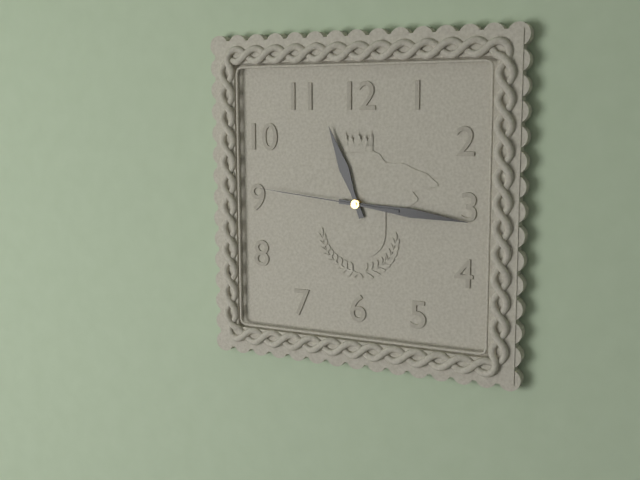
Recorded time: 11:16:46
